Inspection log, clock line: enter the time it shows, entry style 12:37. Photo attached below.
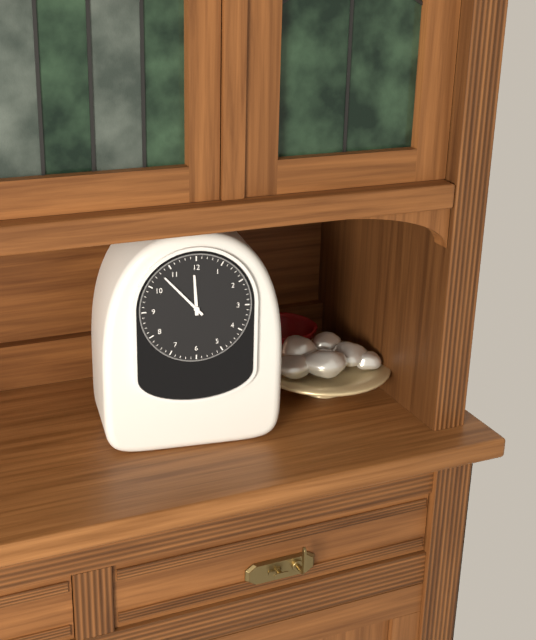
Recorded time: 11:53
